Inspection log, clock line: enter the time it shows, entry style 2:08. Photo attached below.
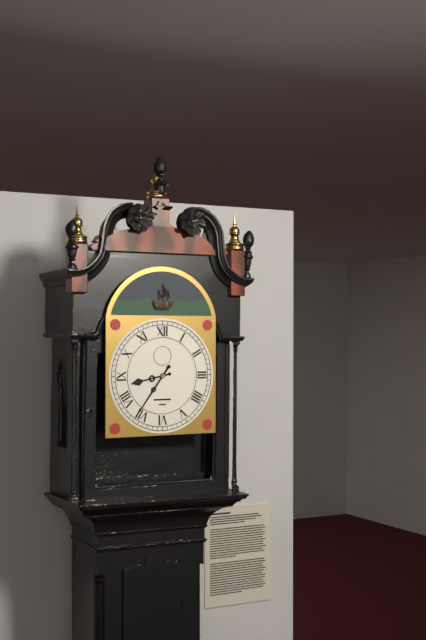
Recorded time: 8:36
